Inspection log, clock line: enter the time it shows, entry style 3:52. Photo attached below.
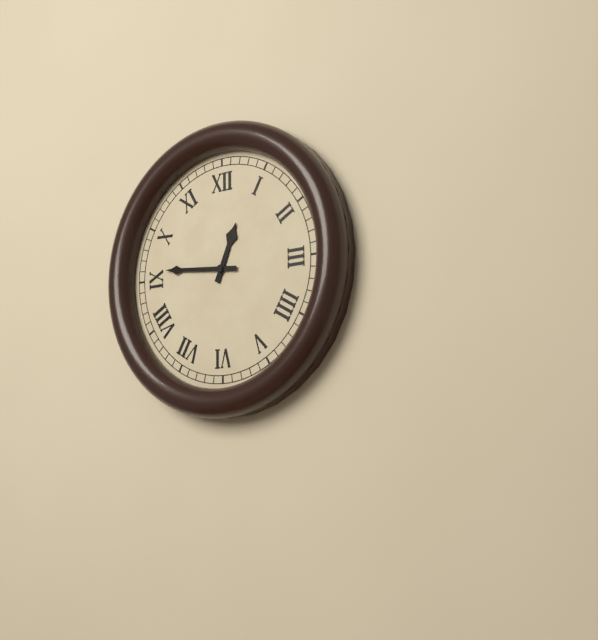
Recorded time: 12:46
